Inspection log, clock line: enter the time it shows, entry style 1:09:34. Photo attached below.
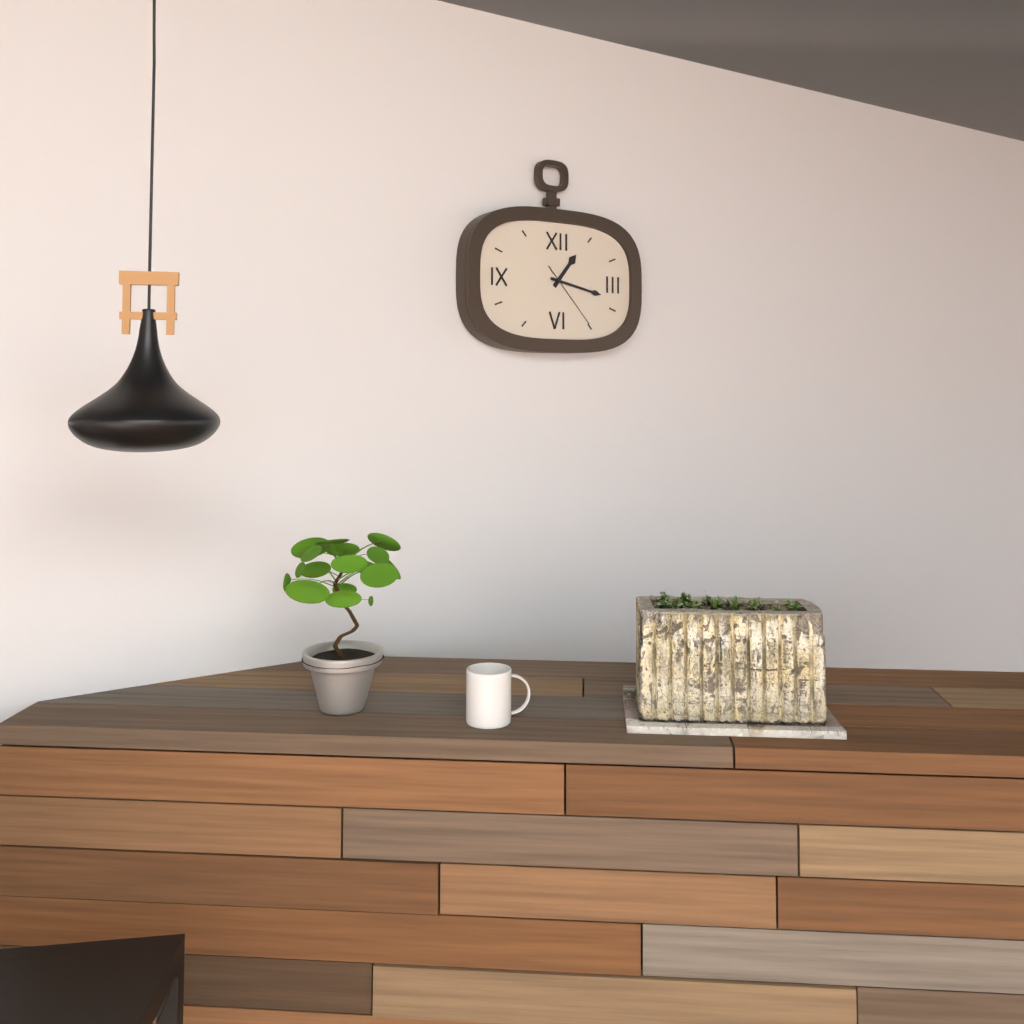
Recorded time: 1:17:23
